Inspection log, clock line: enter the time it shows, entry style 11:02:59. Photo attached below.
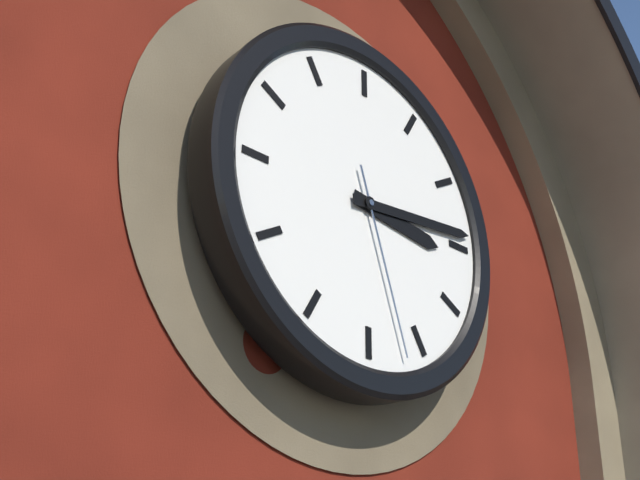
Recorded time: 3:14:27
